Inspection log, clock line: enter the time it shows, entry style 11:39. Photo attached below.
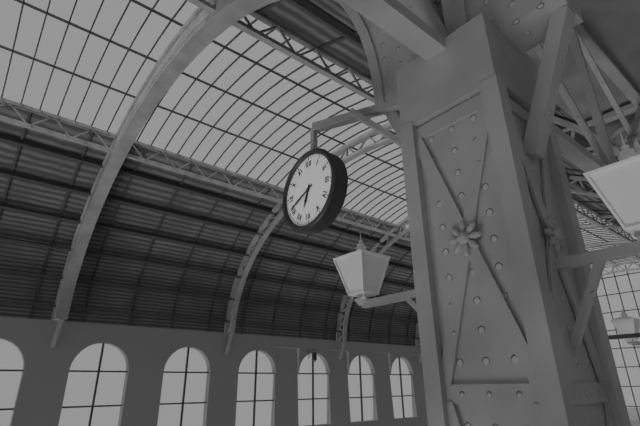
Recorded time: 6:41
